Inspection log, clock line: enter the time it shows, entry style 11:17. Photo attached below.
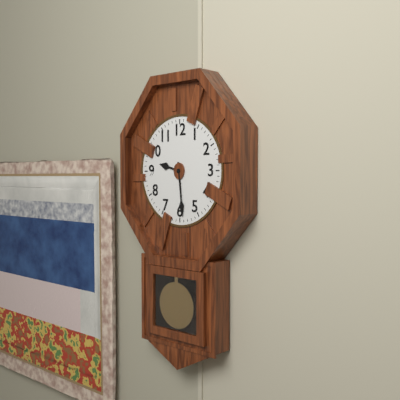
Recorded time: 9:29
